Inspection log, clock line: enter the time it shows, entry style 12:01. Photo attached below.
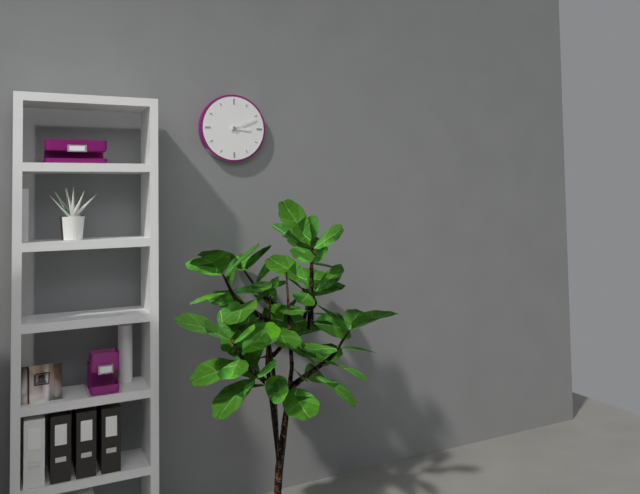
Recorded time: 3:11
